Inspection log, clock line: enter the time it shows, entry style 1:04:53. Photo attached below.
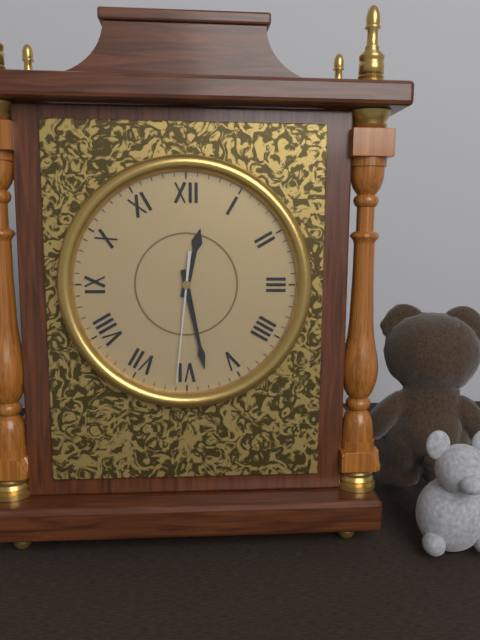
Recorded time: 12:28:31
